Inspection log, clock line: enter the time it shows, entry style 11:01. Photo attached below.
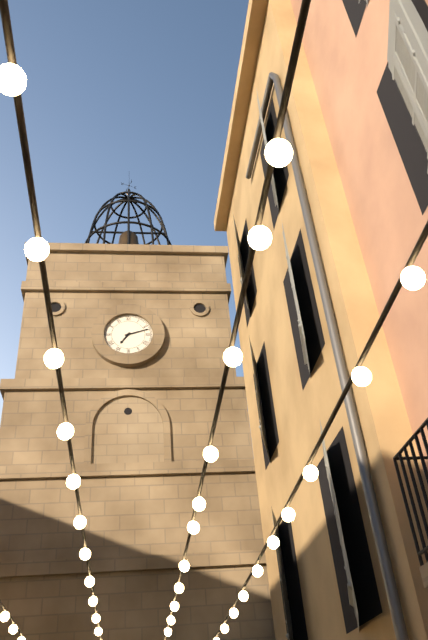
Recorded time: 7:12
